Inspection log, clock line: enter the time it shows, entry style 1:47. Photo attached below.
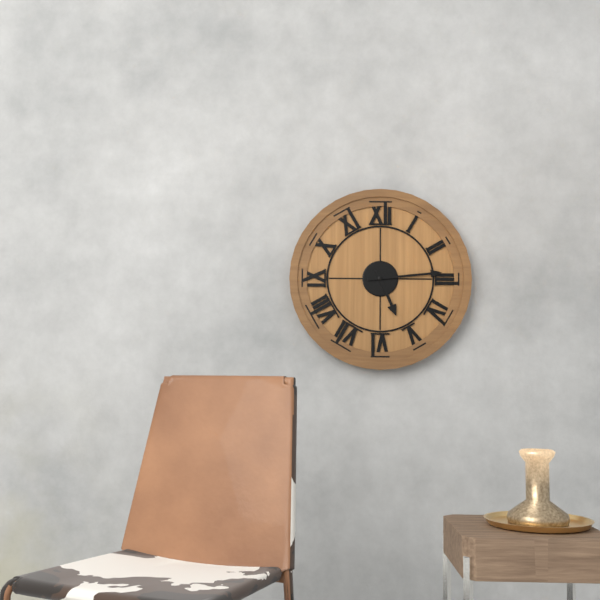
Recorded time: 5:14
